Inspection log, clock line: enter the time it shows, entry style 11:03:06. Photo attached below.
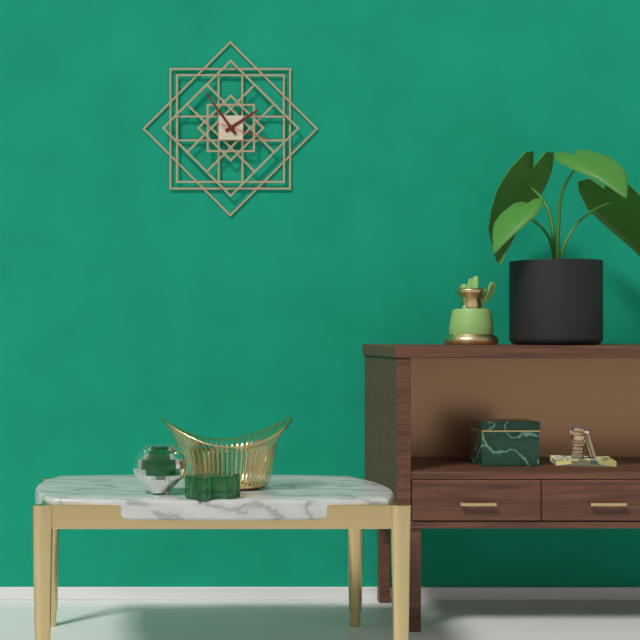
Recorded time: 1:54:18
